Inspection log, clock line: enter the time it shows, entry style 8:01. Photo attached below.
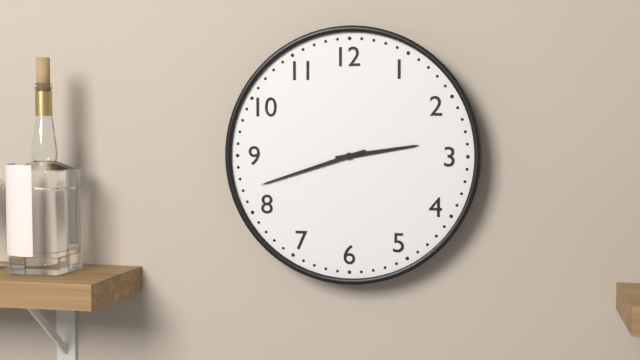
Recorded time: 2:42
